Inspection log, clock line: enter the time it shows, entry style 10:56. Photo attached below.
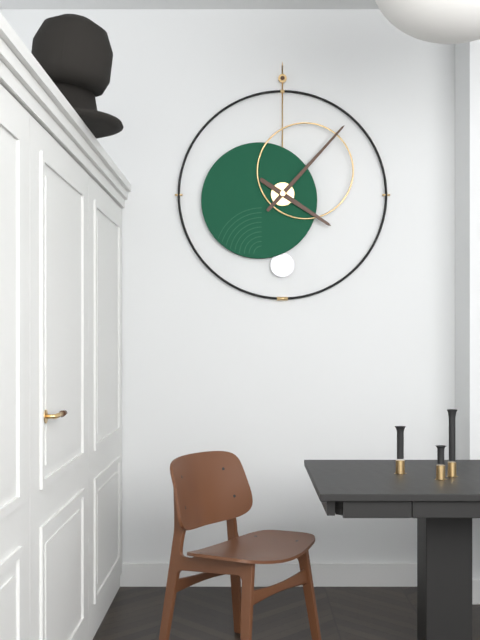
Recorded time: 4:07
